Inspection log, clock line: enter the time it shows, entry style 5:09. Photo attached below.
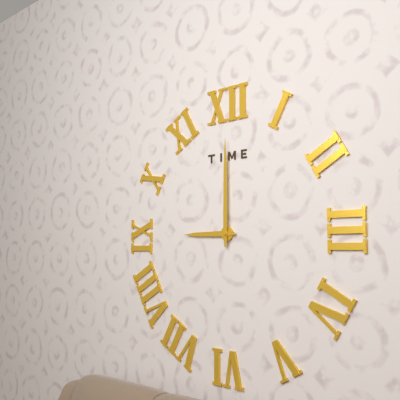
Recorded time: 9:00
